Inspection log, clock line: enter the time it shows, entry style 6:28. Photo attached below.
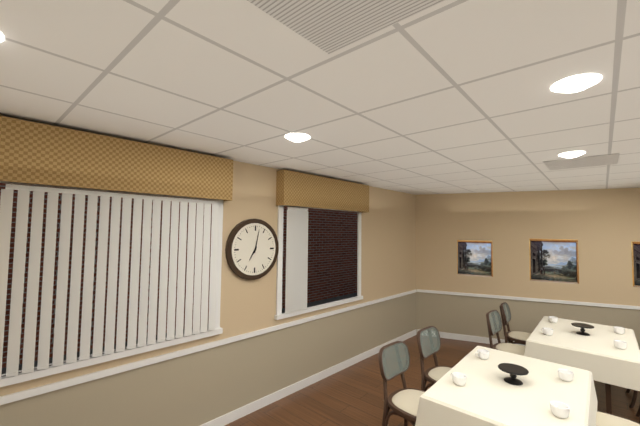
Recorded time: 7:02
